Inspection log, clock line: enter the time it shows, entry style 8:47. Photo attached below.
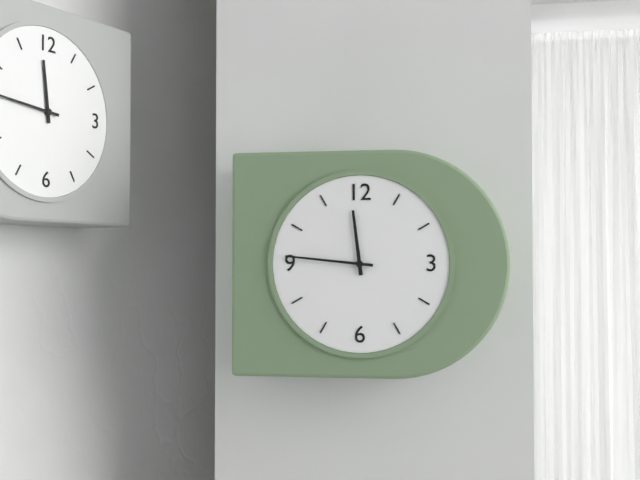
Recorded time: 11:46
